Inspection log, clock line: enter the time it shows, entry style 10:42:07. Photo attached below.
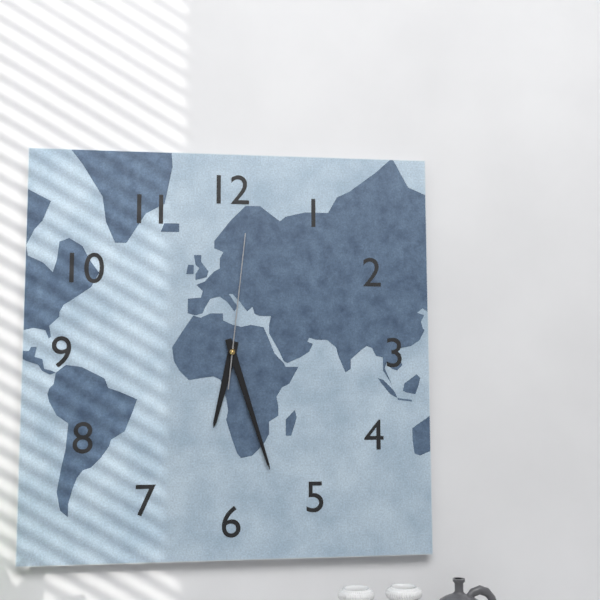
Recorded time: 6:27:01
